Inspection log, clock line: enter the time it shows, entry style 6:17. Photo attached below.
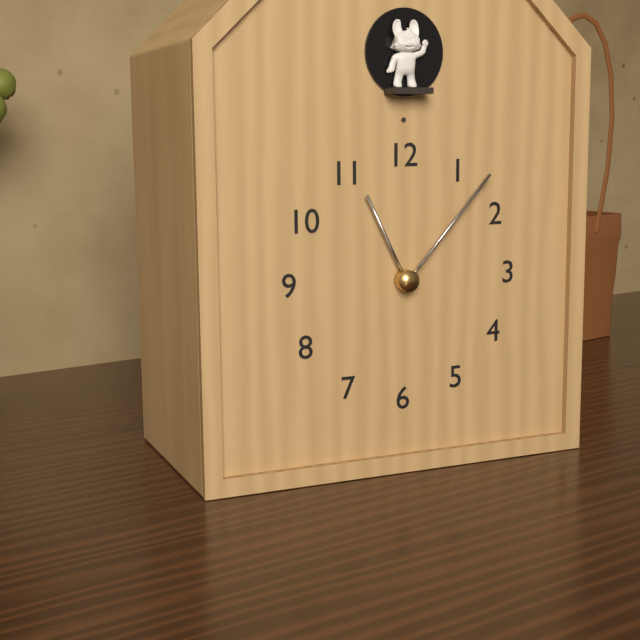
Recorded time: 11:07
